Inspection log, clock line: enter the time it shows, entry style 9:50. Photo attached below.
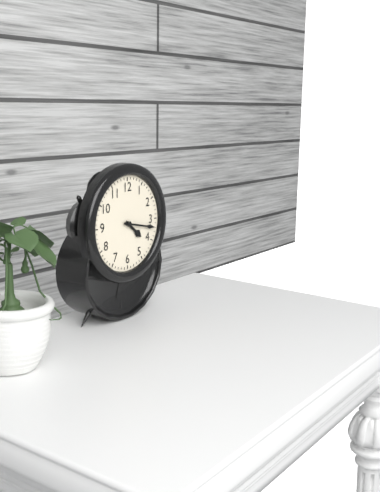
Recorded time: 4:17
